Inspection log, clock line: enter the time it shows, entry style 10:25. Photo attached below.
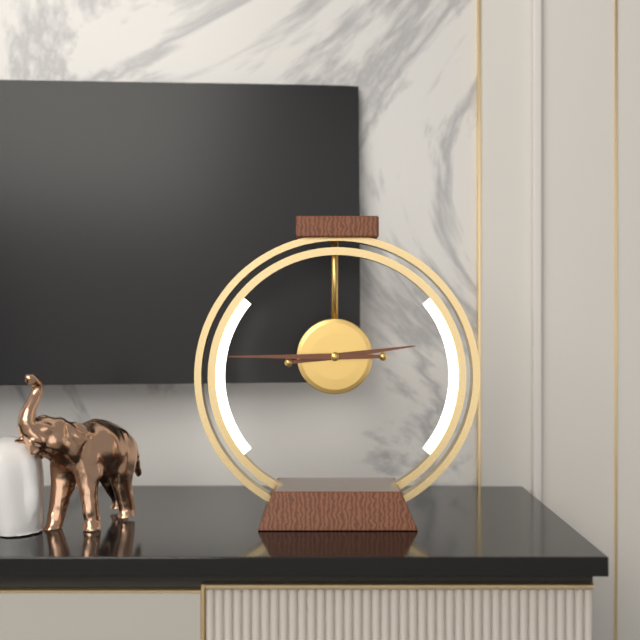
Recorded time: 2:45
